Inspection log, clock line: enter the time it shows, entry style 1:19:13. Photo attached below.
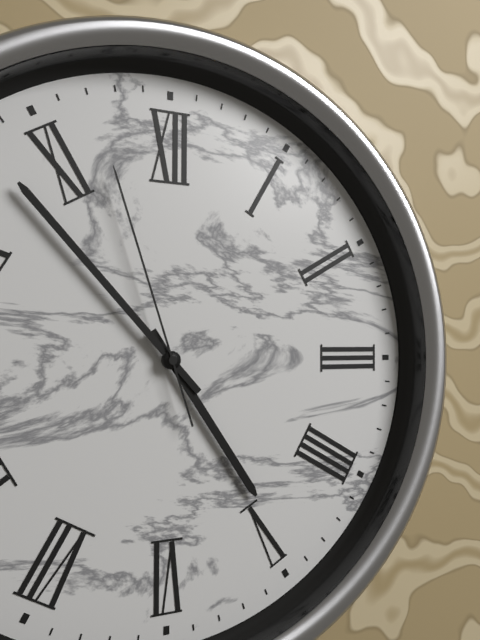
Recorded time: 4:53:57
